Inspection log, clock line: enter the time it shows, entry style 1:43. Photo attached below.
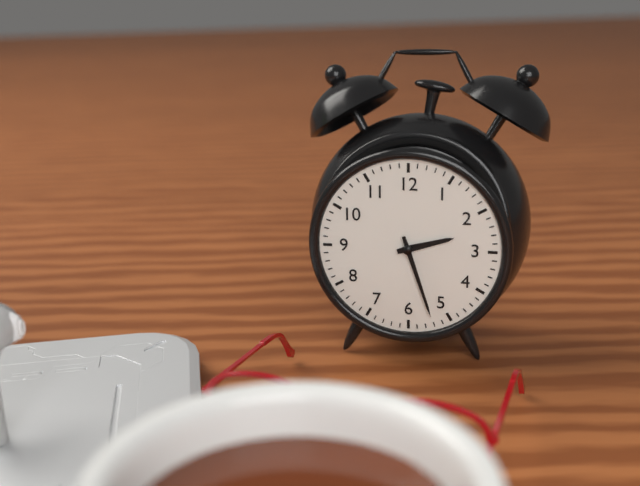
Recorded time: 2:27
